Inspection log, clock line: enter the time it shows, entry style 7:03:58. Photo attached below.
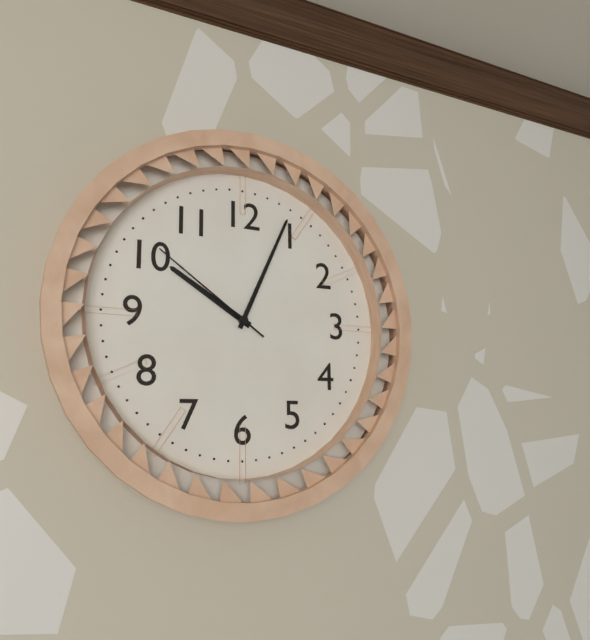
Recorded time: 10:04:51
